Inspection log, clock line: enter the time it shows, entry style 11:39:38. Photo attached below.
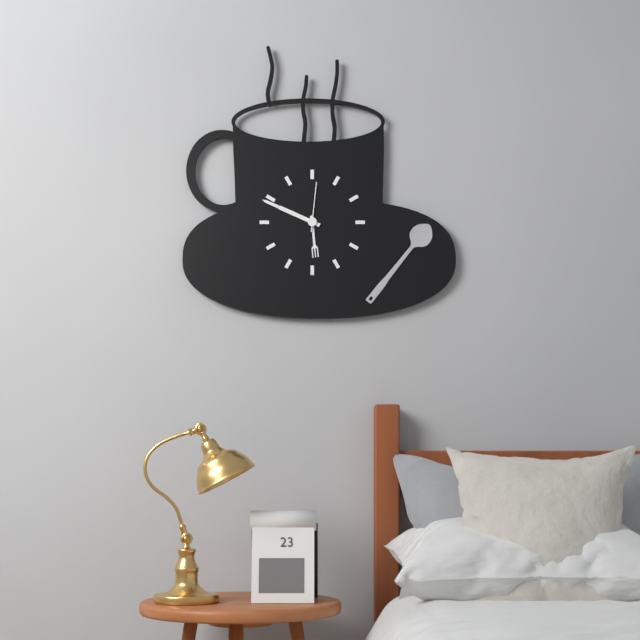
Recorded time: 5:49:01
